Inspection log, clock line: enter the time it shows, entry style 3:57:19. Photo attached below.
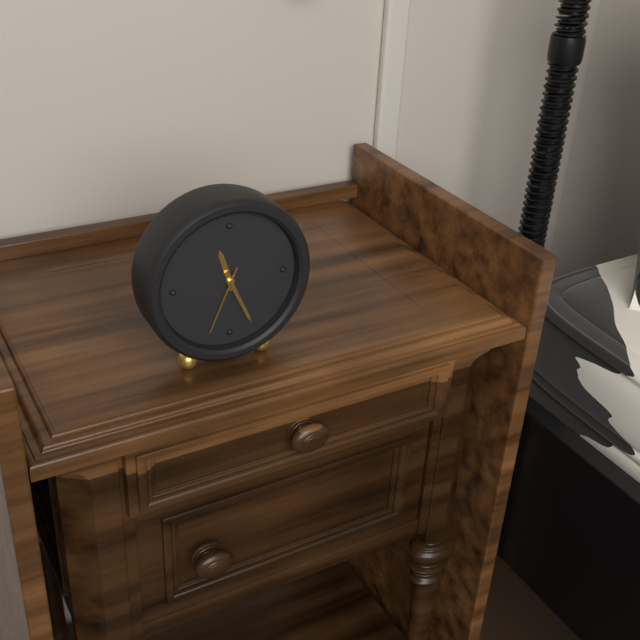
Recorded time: 11:26:34
